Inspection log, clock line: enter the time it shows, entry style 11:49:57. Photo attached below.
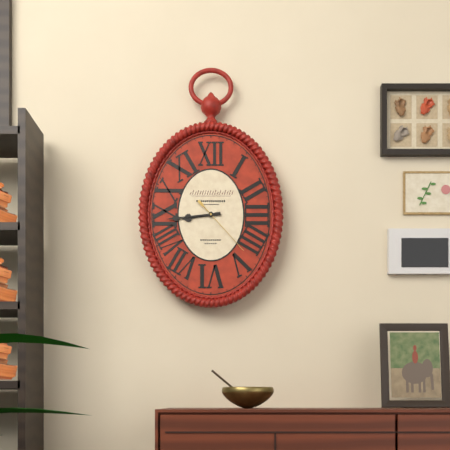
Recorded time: 8:44:23
